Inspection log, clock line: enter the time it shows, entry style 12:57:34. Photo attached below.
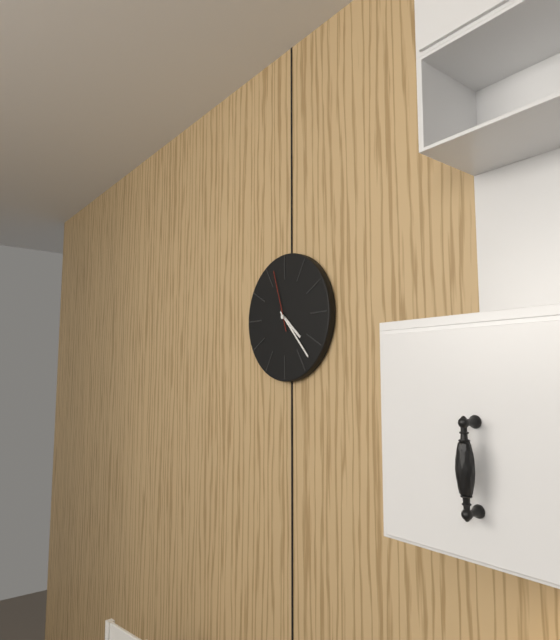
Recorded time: 4:23:57
